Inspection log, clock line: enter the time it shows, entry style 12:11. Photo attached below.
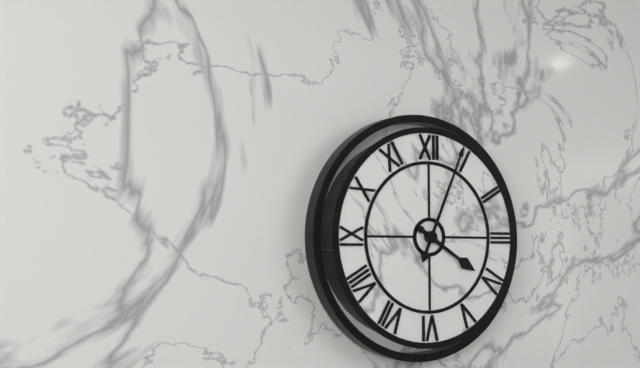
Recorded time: 4:04
